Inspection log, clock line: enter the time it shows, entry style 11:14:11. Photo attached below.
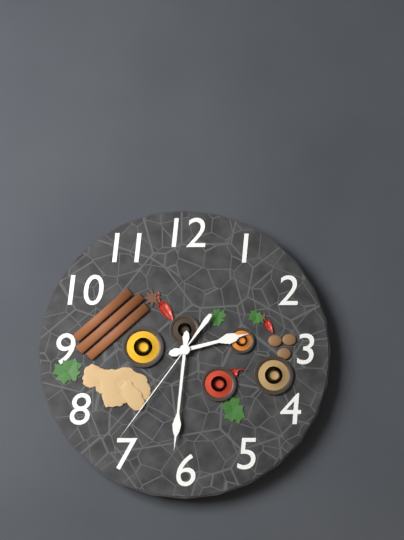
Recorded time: 2:31:36
